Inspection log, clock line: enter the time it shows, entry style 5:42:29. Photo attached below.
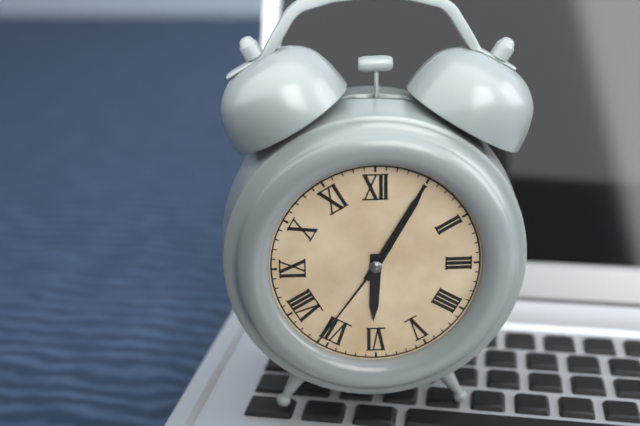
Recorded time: 6:05:36
